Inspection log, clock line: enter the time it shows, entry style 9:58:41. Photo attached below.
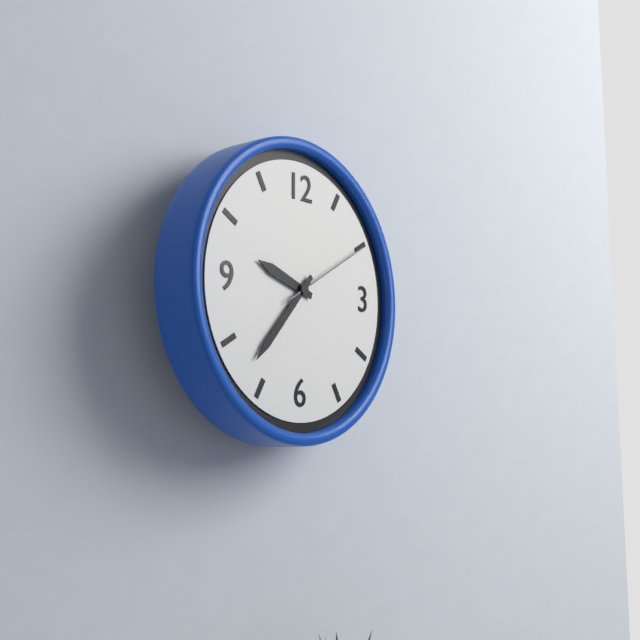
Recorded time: 9:37:10
